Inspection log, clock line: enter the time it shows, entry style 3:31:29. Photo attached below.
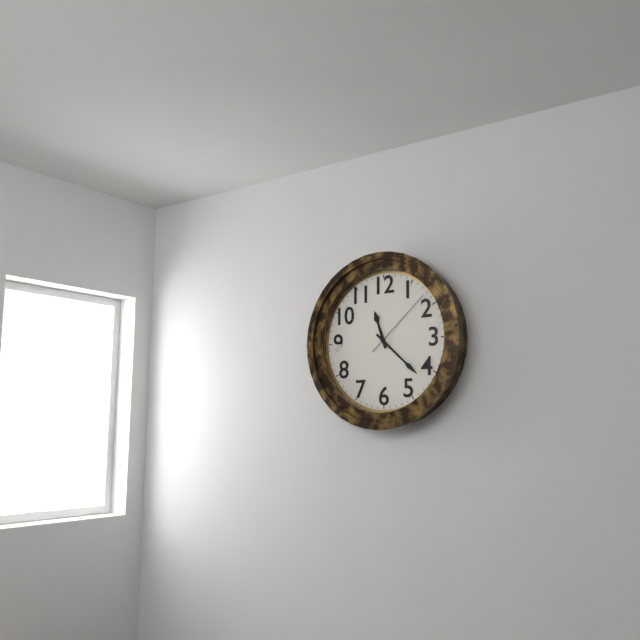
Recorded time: 11:22:08
